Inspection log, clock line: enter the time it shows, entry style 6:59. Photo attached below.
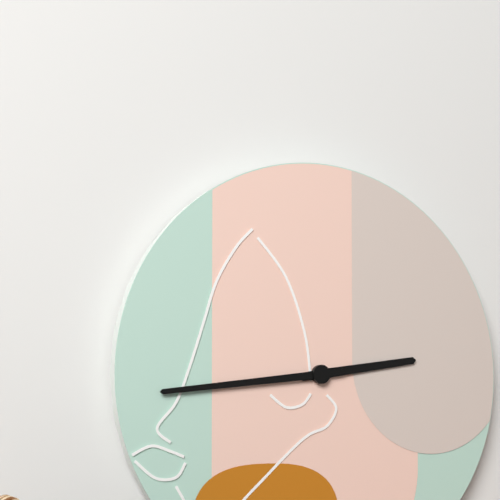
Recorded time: 2:44
